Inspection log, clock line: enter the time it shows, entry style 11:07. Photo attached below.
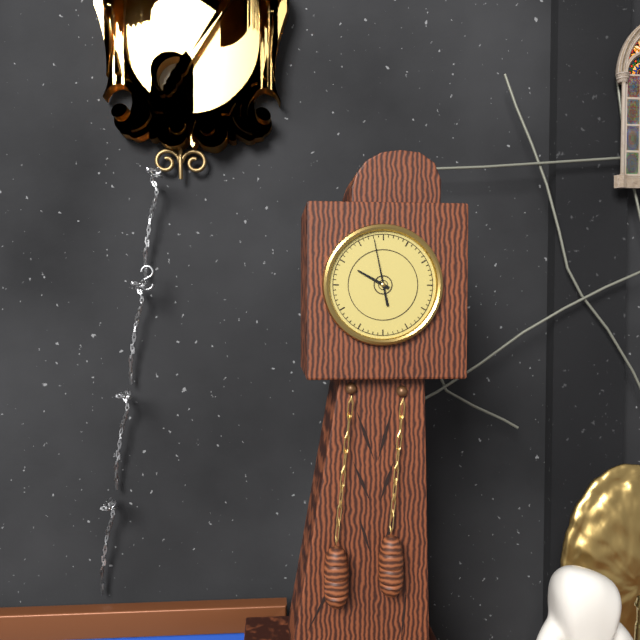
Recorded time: 9:58
